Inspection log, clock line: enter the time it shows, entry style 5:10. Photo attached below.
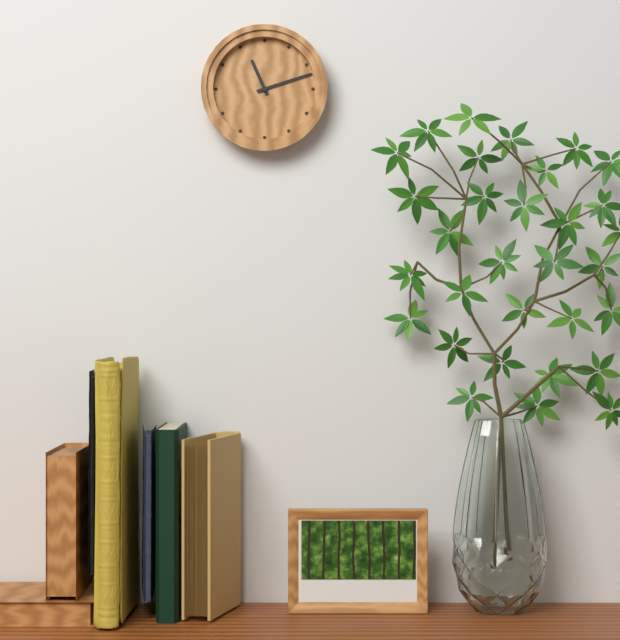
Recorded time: 11:12
